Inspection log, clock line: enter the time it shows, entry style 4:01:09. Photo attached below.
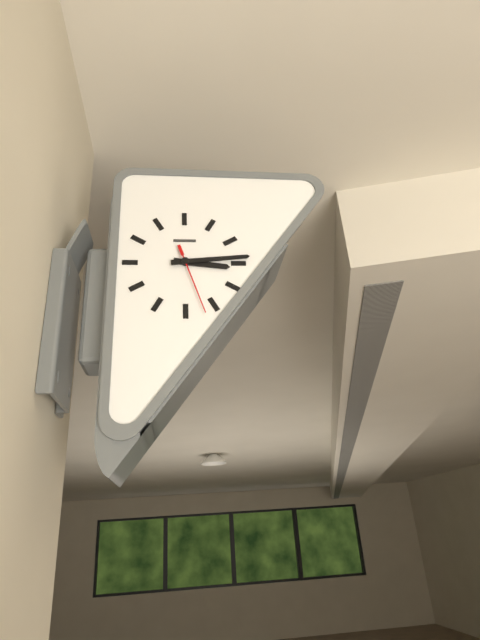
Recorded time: 3:14:27
